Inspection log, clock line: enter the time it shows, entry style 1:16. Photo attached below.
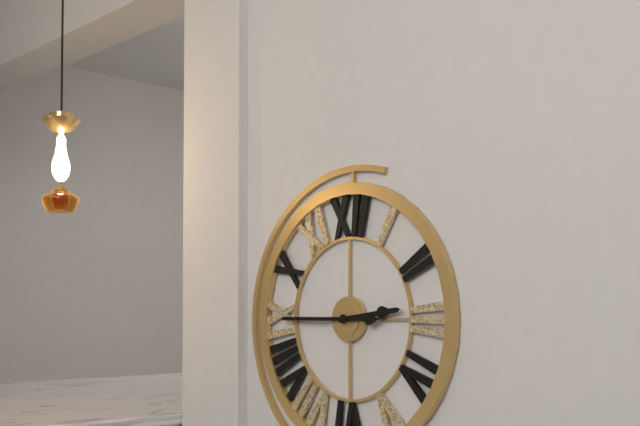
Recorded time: 2:45
